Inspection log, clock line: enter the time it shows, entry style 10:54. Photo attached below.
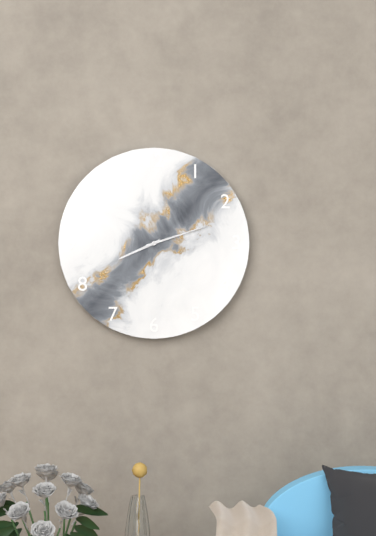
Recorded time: 8:12
